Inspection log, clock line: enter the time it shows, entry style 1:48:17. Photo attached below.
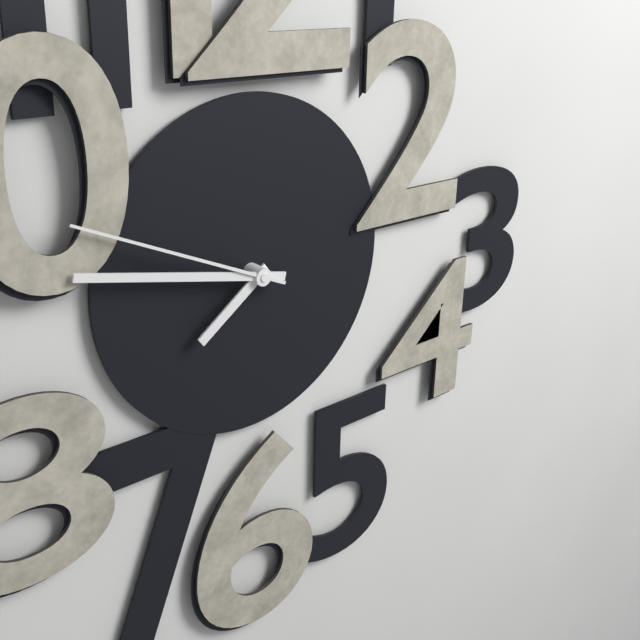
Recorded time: 7:47:49
